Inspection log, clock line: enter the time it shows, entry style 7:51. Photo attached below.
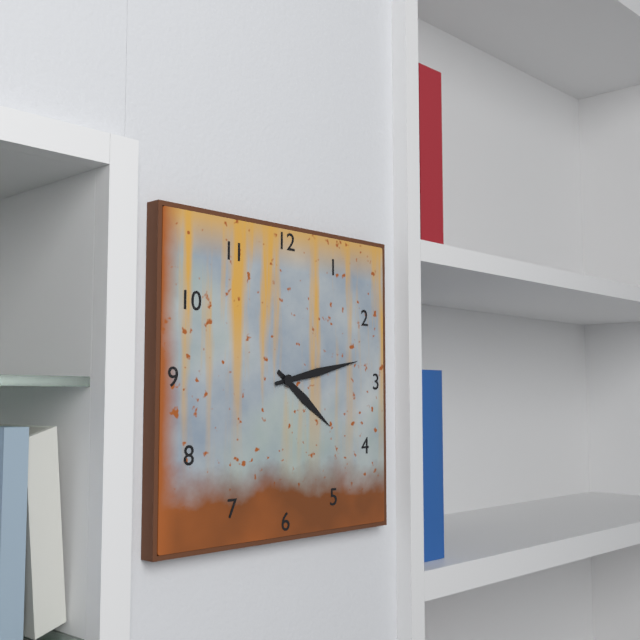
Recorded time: 4:13
